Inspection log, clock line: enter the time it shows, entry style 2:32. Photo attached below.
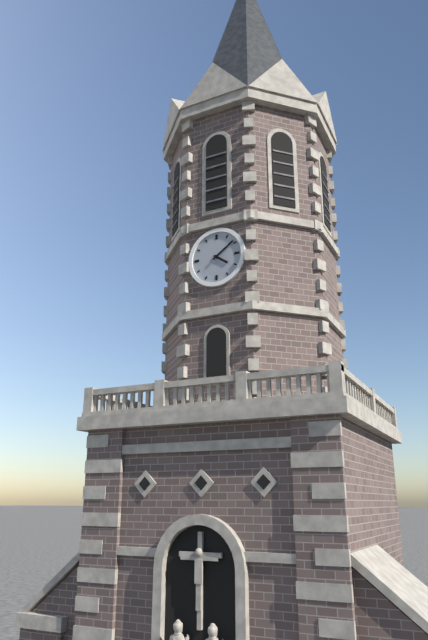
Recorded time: 4:09
